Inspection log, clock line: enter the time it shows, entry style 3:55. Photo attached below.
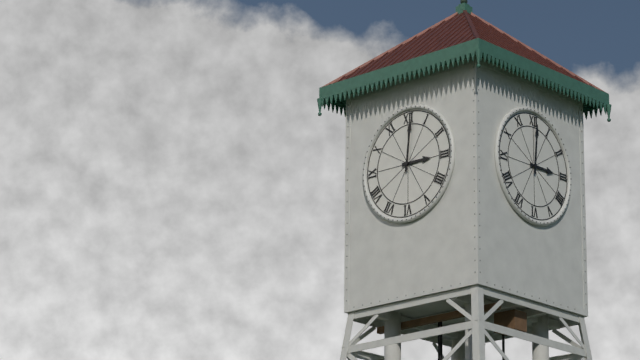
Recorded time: 3:01
